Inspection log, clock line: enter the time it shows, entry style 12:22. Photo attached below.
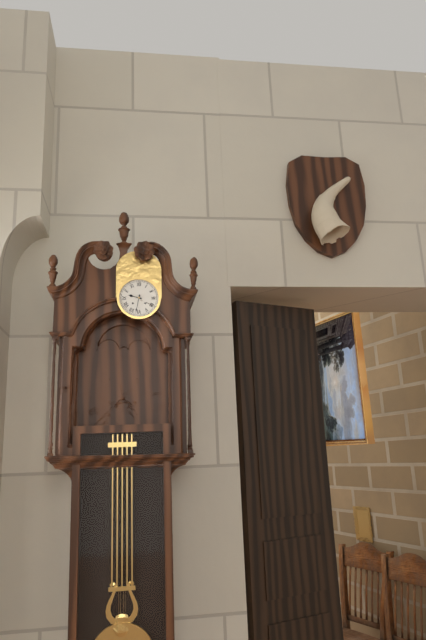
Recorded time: 9:32
